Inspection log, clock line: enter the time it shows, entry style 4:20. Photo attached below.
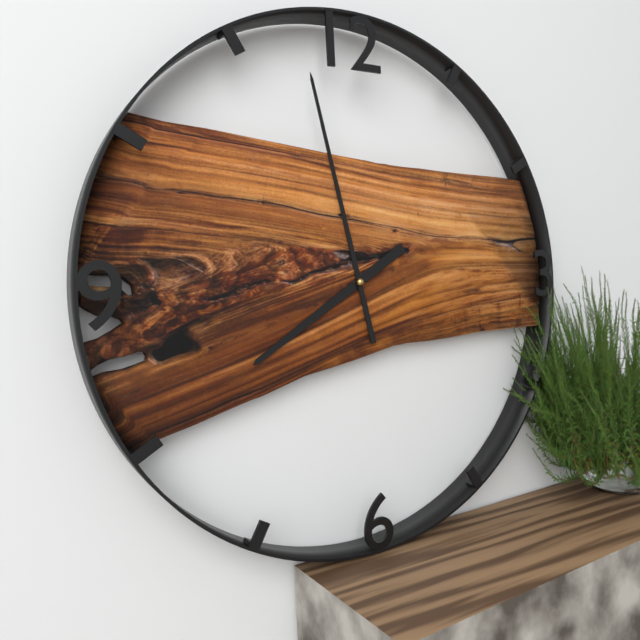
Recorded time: 7:58
